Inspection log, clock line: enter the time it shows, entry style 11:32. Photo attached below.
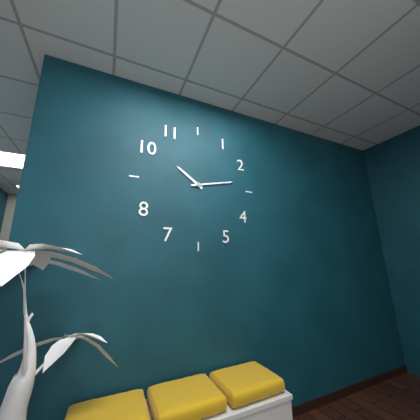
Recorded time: 10:13
